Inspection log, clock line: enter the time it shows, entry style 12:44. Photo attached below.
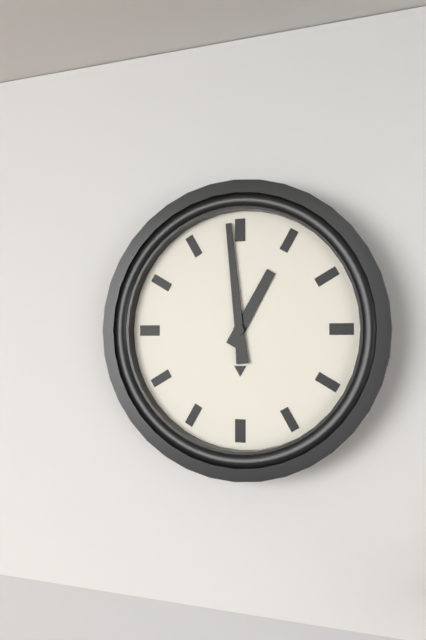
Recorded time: 12:59
